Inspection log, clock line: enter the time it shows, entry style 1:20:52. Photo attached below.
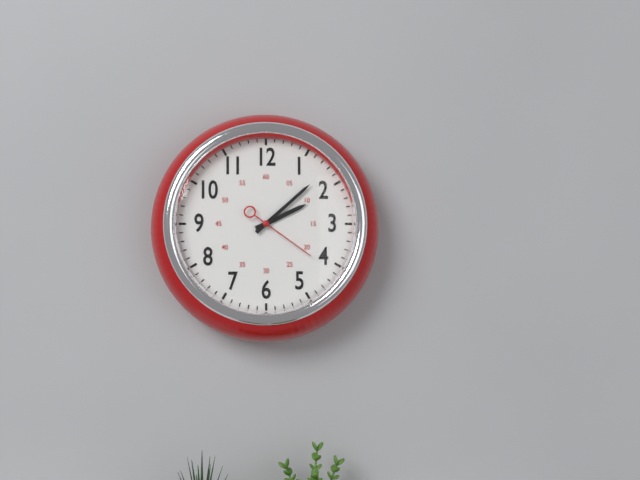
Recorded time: 2:08:21
